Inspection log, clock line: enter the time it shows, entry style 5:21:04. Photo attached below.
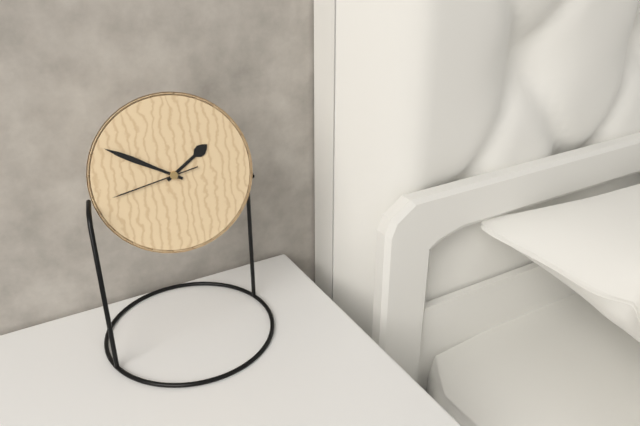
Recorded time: 1:50:43
